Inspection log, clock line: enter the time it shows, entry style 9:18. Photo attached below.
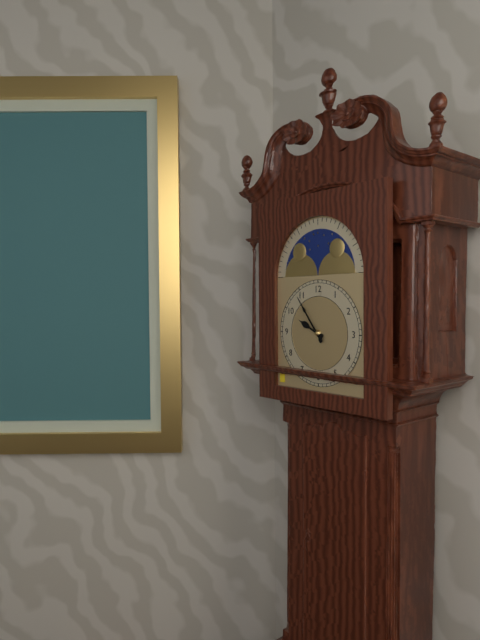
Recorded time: 9:54
